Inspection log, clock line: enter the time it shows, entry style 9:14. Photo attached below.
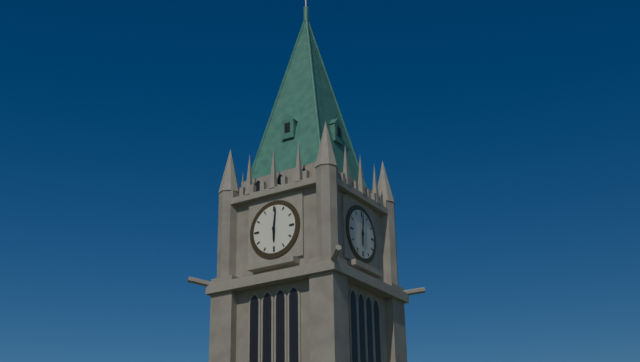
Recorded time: 6:01
